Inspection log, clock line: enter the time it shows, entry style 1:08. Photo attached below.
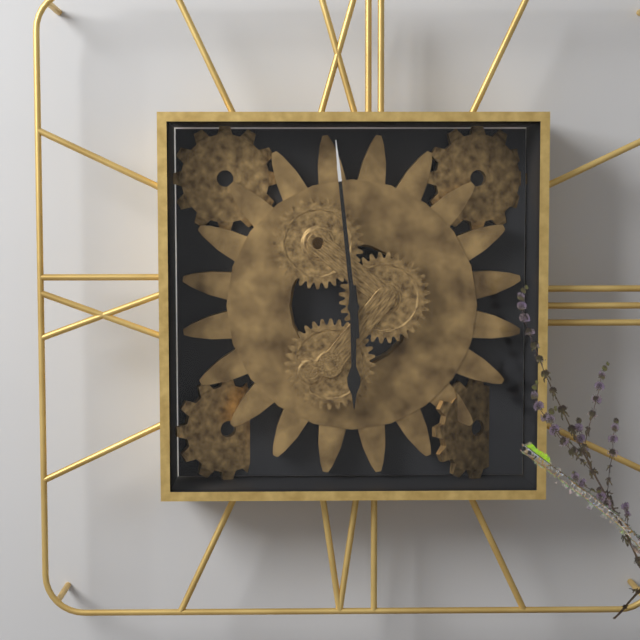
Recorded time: 5:59
